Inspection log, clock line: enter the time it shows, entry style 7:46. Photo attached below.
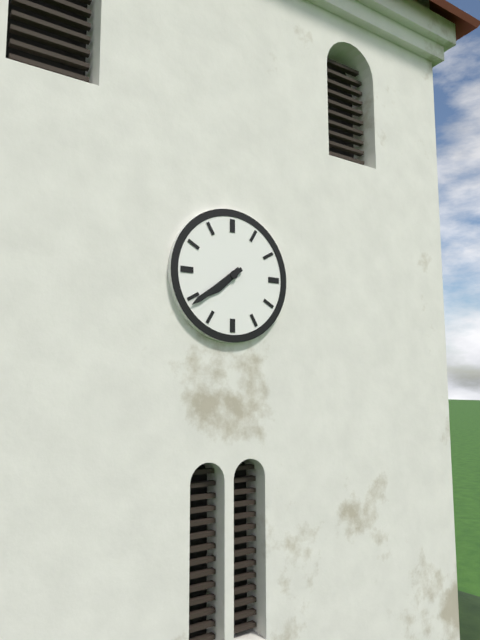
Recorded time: 7:39
